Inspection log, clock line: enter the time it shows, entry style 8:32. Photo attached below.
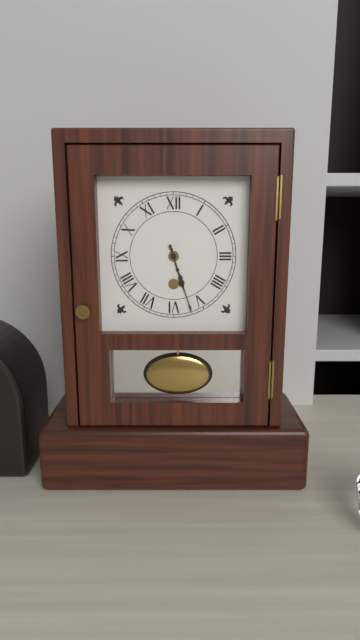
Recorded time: 5:27
